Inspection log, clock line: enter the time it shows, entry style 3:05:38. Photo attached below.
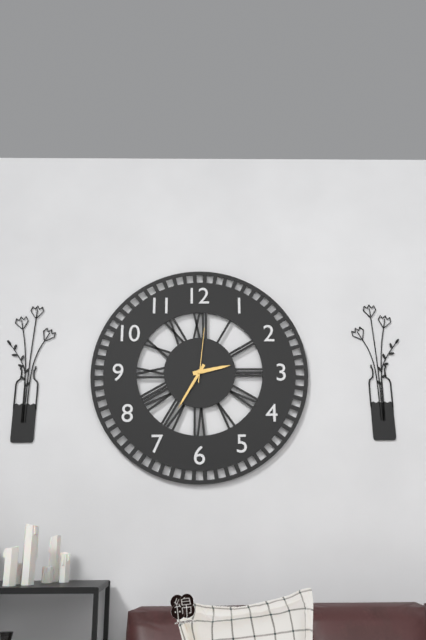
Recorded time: 2:35:01
